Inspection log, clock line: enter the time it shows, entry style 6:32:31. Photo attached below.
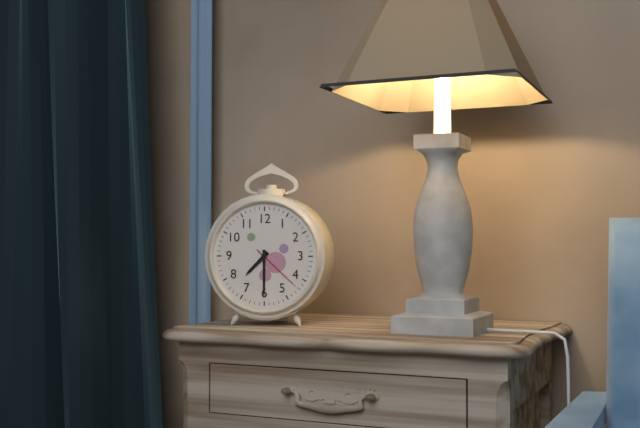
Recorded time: 7:30:22
